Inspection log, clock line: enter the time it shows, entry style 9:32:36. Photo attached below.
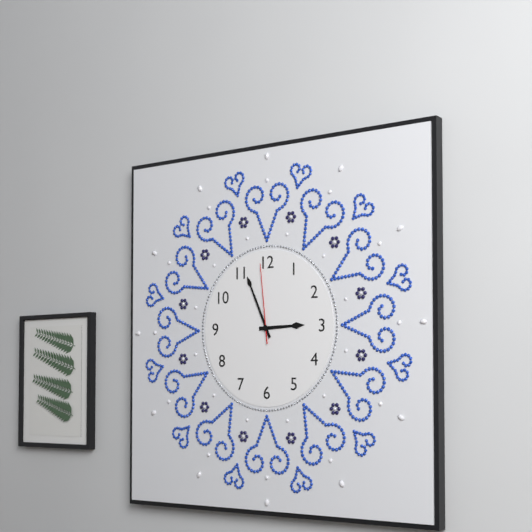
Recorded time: 2:56:59
